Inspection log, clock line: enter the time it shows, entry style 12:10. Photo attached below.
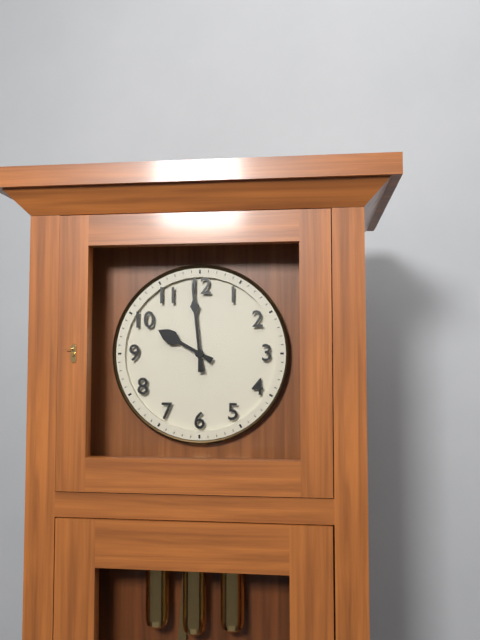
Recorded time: 9:59
